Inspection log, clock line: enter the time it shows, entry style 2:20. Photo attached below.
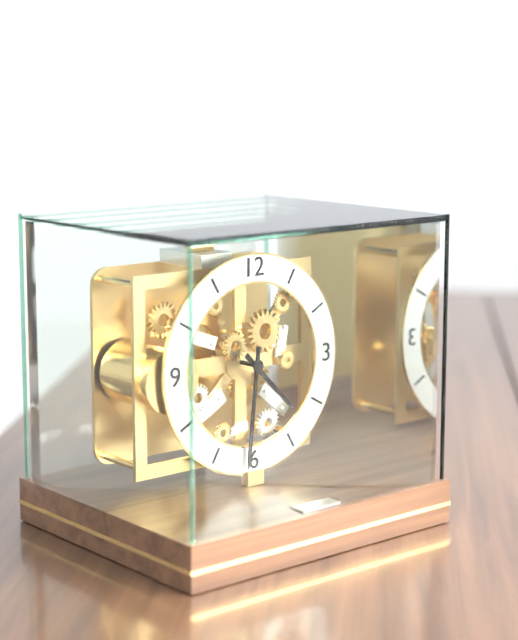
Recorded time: 4:31
